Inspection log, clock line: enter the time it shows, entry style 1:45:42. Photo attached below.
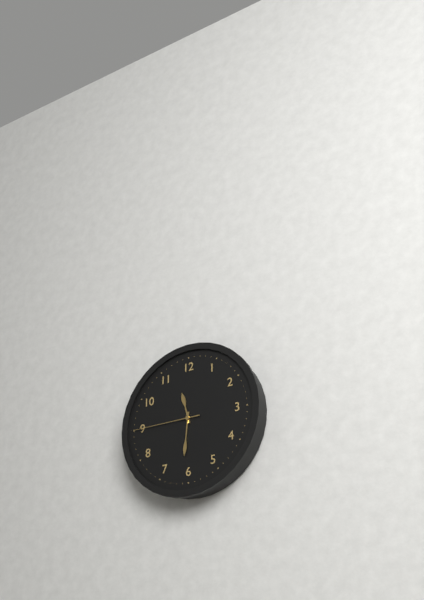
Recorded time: 11:31:45
